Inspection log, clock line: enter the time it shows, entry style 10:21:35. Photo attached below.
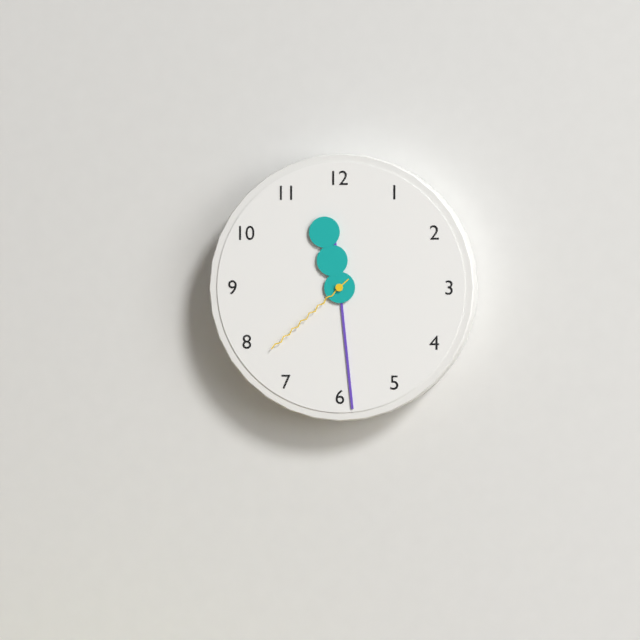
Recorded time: 11:29:38
